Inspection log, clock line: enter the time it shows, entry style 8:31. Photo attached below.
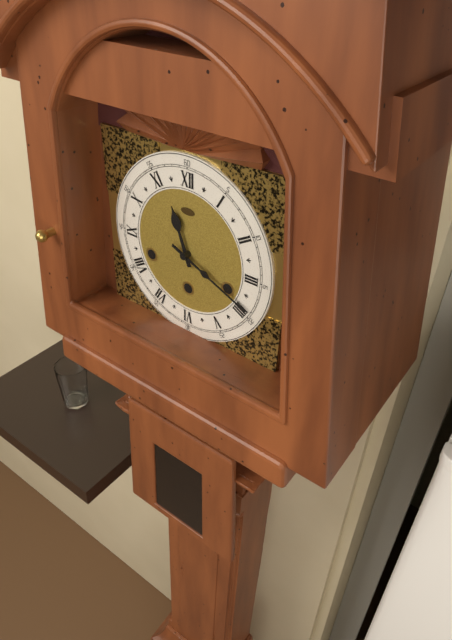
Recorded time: 11:19
